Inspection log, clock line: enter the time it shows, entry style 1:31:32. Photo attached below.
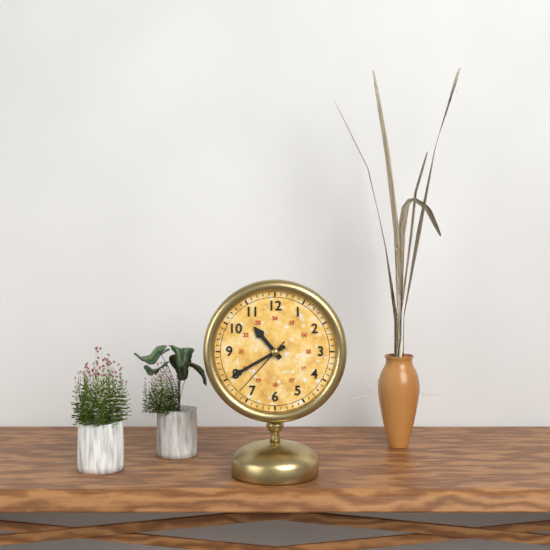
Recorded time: 10:40:37
